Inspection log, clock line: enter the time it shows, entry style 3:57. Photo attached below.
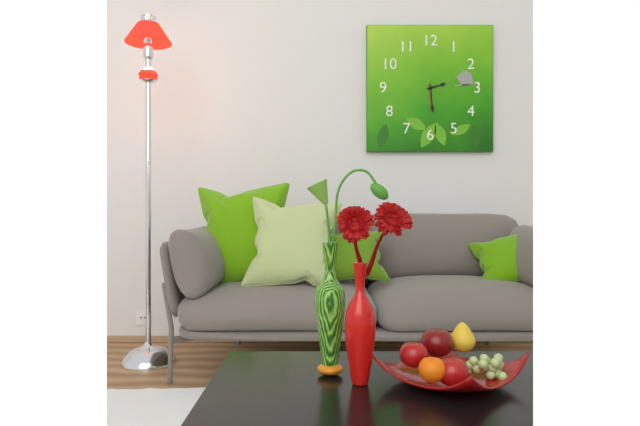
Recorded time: 2:29
